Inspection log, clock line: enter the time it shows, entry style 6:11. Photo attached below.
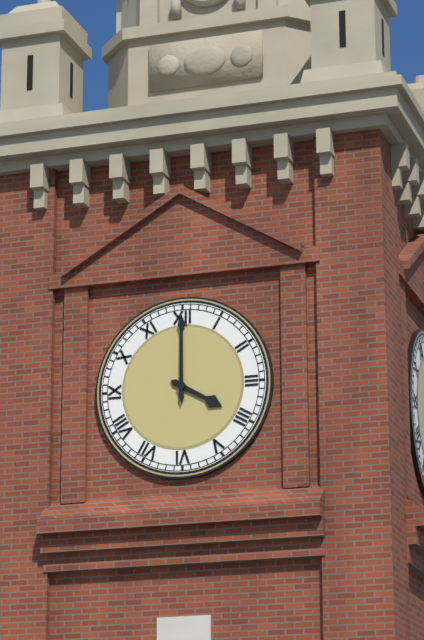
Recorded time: 4:00
